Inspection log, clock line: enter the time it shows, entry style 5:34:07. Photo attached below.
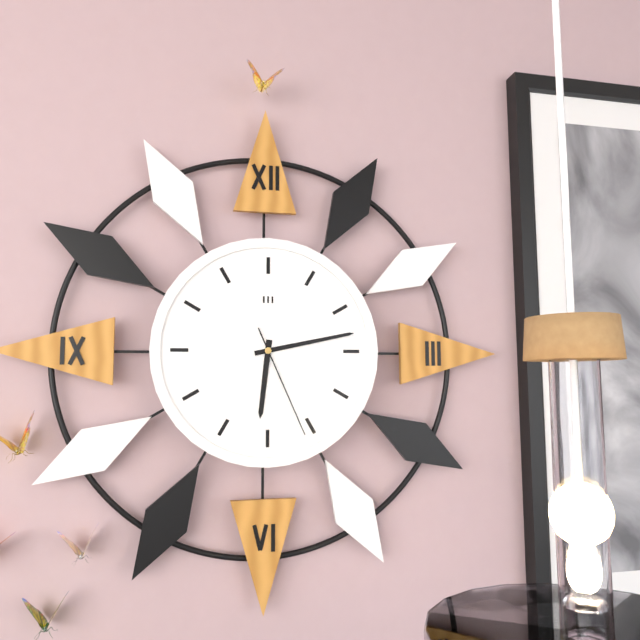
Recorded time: 6:13:26
